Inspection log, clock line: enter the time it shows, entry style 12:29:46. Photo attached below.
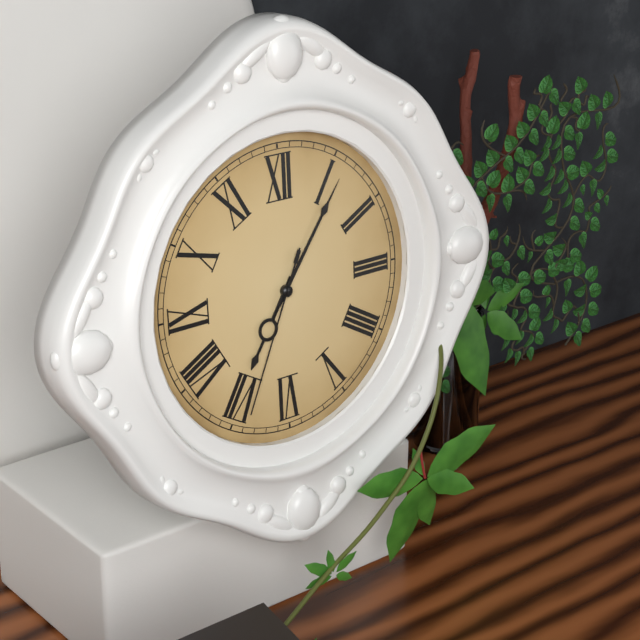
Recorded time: 7:06:34
